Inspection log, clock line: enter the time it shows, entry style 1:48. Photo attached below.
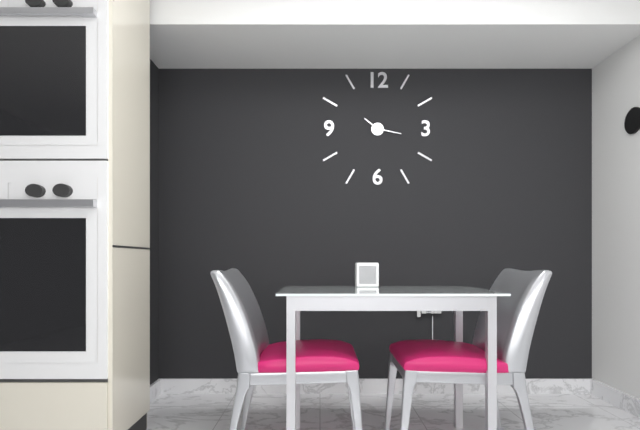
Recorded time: 10:17
